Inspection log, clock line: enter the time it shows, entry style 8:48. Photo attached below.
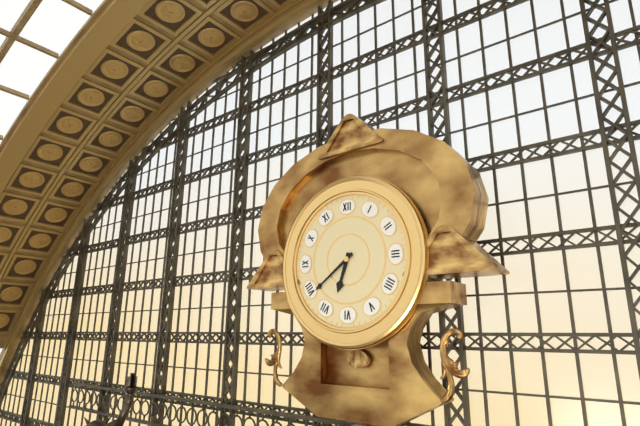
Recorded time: 6:39
